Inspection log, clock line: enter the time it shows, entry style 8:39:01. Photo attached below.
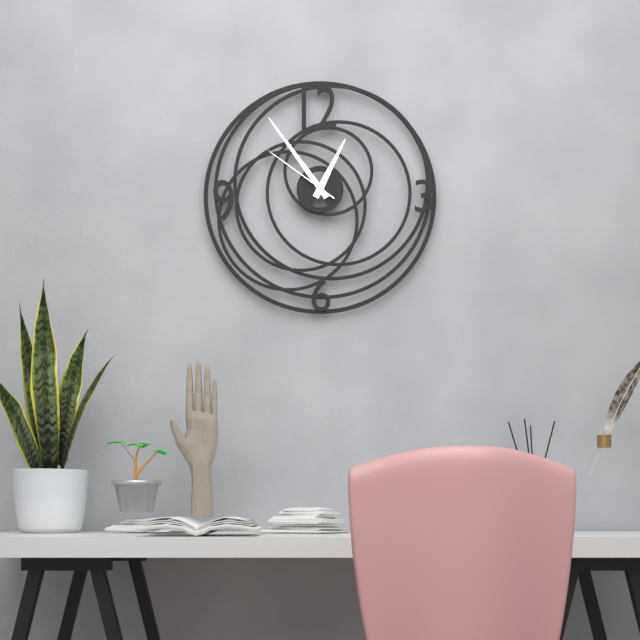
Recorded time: 12:54:51
